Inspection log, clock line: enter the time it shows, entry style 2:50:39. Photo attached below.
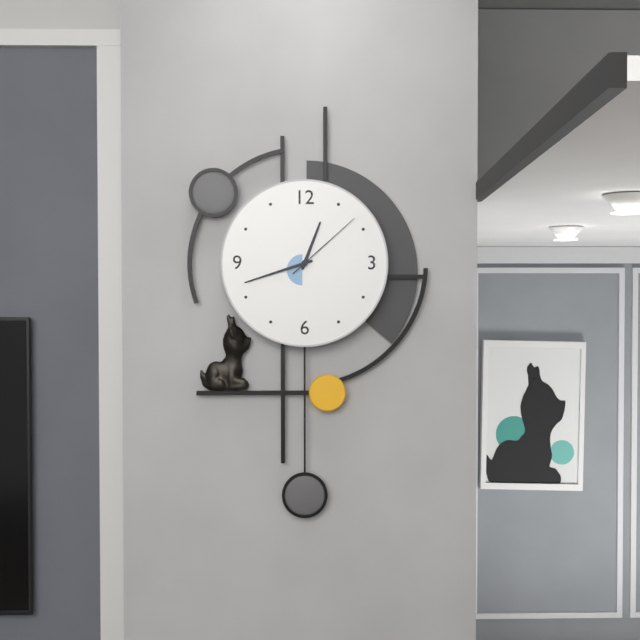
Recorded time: 12:42:08
